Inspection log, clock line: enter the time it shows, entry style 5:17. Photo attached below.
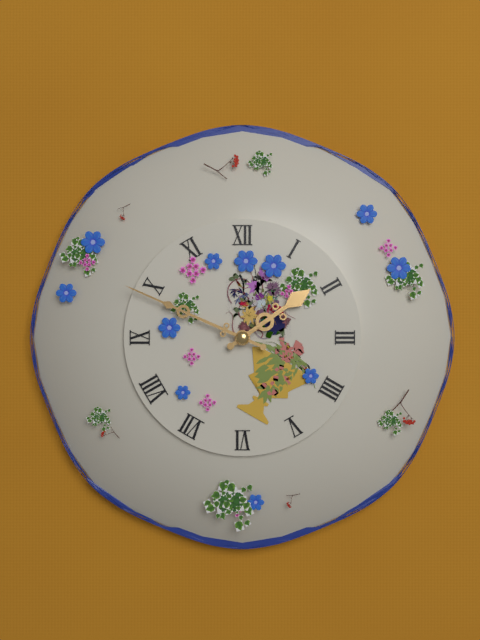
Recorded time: 1:49
